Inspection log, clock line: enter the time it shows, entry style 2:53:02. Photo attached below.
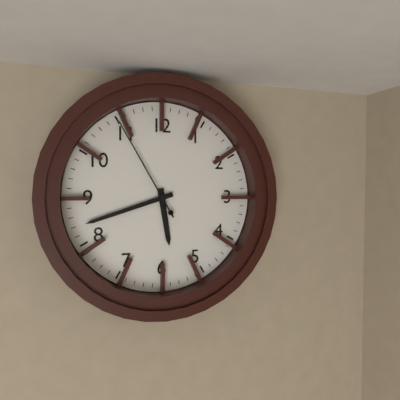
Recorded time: 5:42:55
